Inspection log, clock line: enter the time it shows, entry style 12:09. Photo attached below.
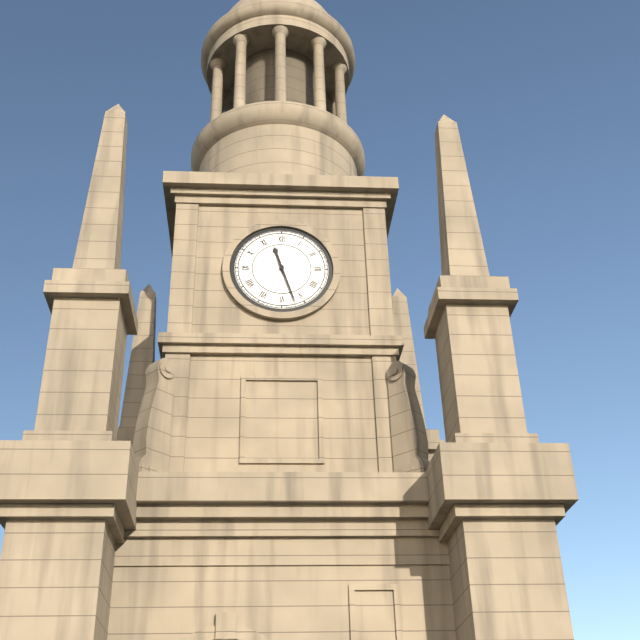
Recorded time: 11:27
